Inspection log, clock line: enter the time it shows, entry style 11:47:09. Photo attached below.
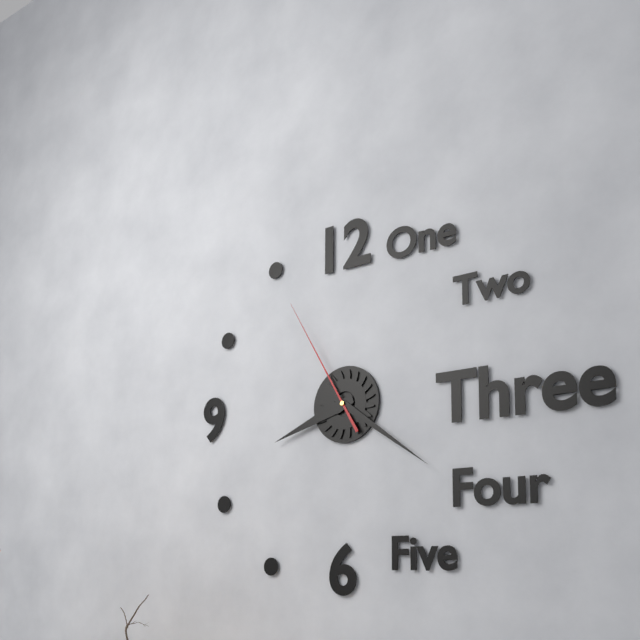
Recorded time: 8:21:55
